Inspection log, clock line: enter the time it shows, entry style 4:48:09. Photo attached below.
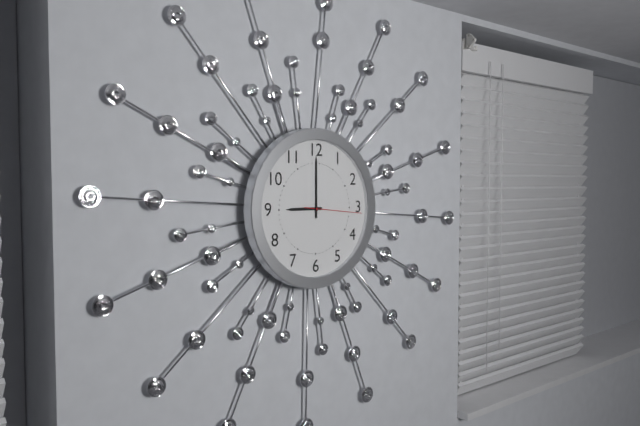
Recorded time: 9:00:16
